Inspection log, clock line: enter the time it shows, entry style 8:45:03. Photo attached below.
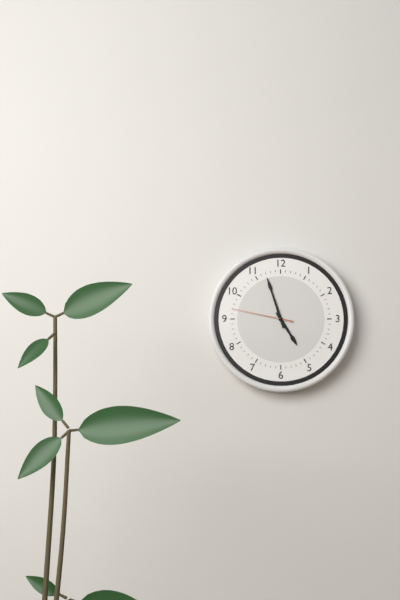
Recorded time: 4:57:47
